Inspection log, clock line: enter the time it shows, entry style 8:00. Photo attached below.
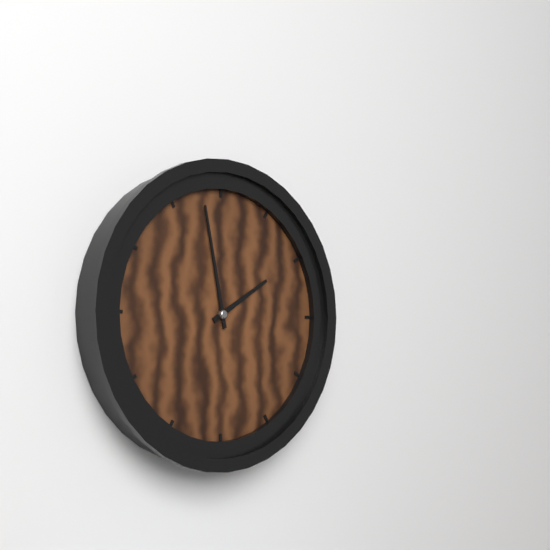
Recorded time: 1:58
